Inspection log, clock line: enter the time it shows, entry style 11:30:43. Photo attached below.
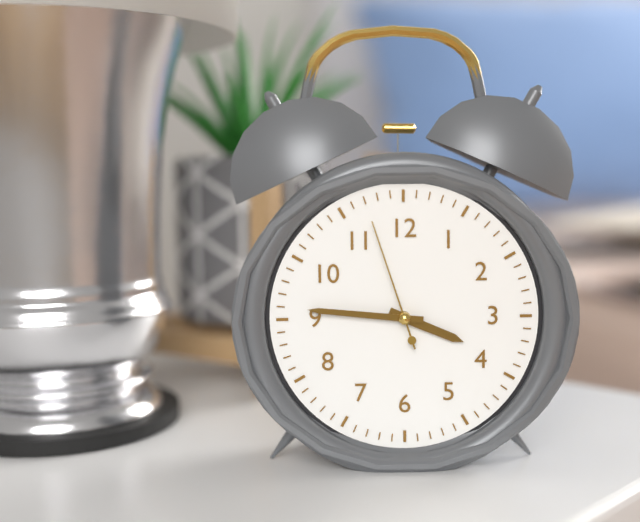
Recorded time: 3:46:57
